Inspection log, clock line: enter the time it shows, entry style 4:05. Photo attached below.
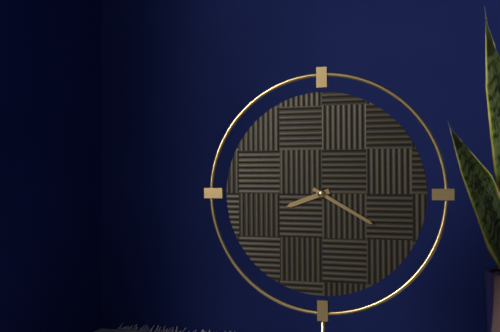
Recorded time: 8:20
